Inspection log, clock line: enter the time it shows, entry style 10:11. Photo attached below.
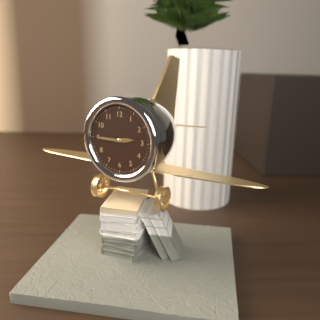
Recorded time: 2:45
